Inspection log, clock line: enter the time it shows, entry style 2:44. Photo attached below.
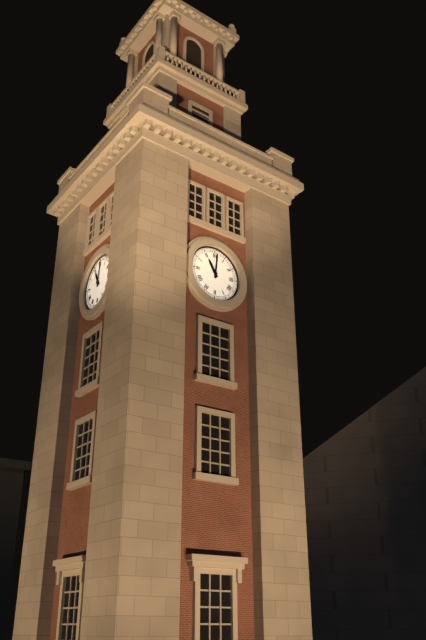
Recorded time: 11:01
